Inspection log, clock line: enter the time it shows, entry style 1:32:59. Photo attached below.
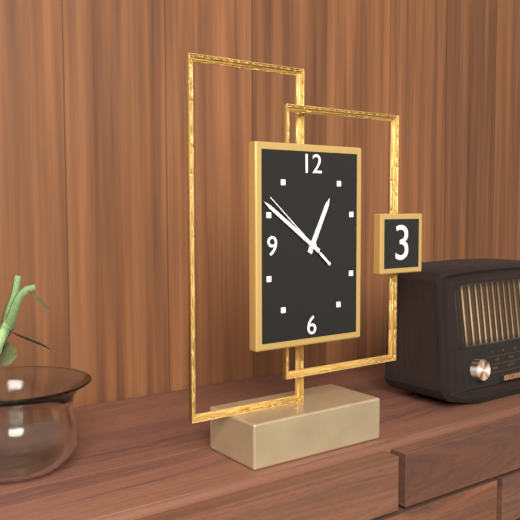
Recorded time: 12:51:52
